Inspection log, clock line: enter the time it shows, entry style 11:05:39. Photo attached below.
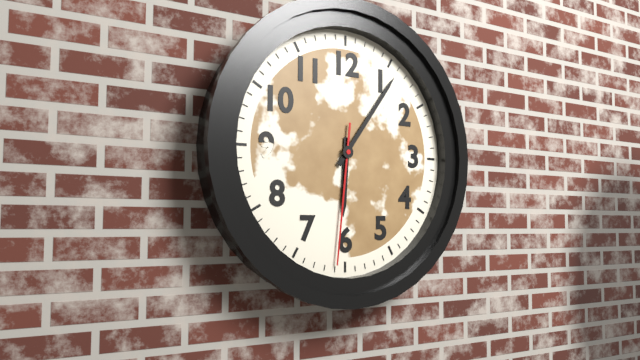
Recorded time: 6:06:31
